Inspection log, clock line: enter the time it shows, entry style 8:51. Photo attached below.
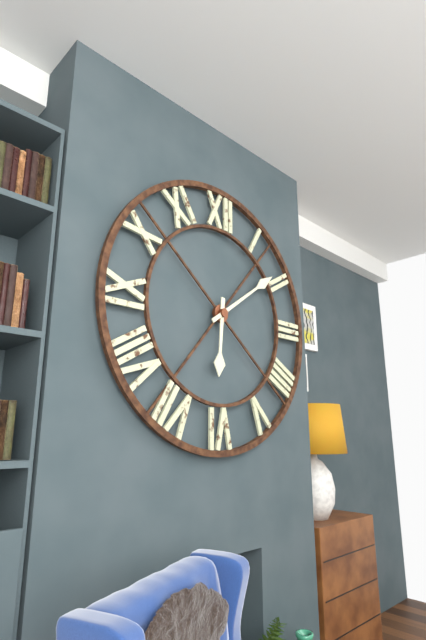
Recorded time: 6:09
